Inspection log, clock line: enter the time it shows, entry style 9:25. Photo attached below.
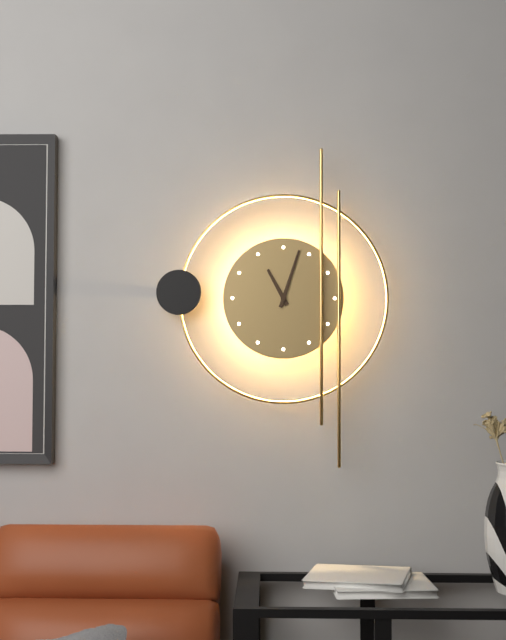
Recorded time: 11:03
